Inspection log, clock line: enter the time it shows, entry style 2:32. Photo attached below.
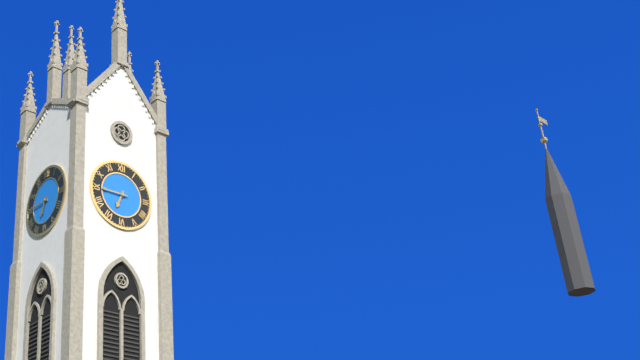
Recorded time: 6:45
